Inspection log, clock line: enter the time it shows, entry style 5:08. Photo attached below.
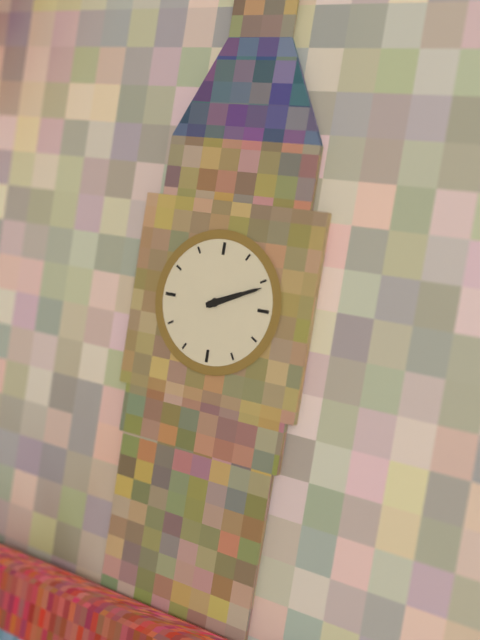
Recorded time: 2:11
